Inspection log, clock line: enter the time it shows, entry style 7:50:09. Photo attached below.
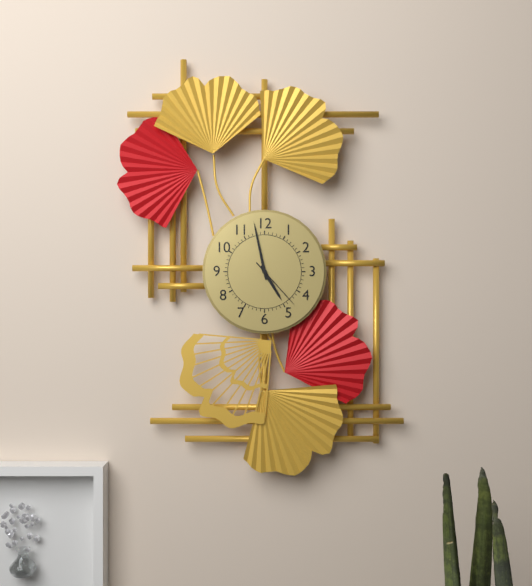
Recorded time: 4:58:23
